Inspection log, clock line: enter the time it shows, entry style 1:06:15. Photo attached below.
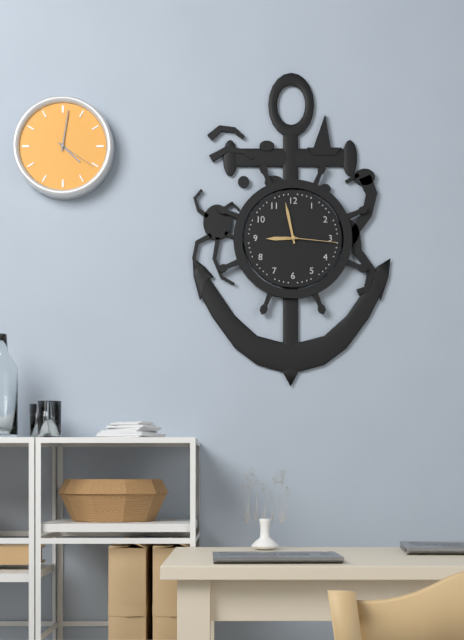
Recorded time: 8:58:16
